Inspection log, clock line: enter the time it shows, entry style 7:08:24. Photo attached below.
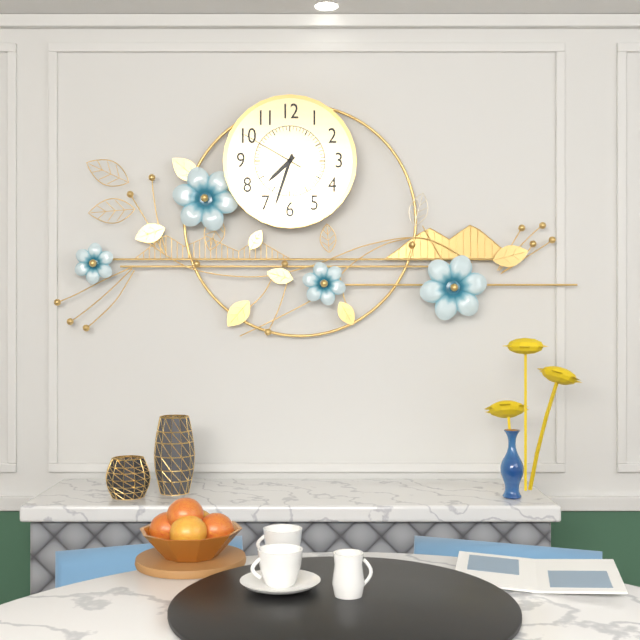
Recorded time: 7:33:50
